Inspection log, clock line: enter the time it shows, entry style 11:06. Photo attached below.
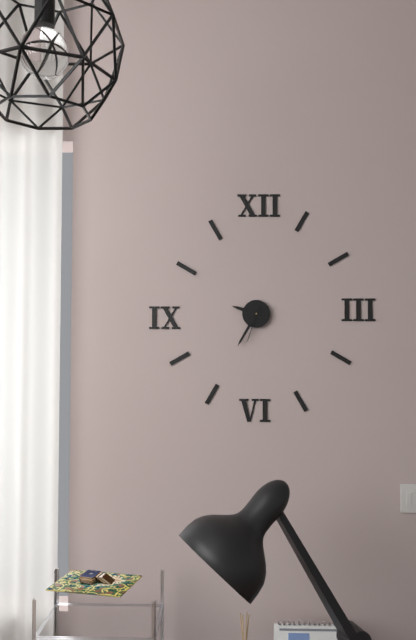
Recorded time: 9:35
